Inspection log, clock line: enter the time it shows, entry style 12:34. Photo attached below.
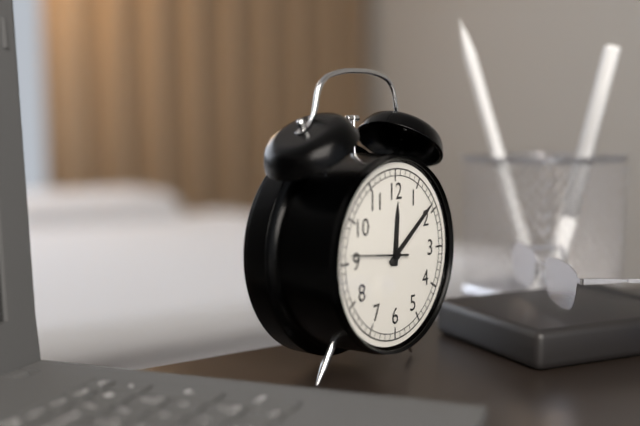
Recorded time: 12:09
